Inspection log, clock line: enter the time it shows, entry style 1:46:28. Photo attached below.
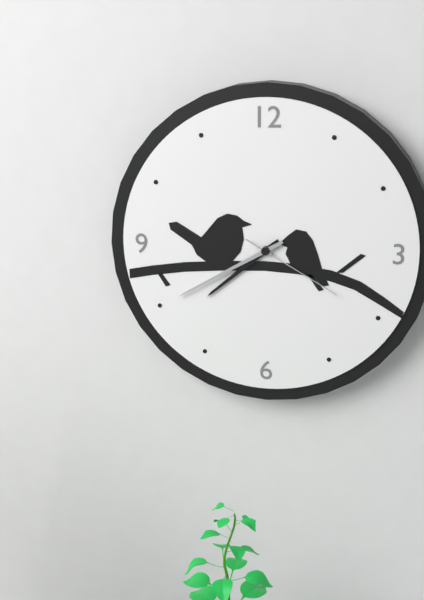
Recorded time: 7:40:20
